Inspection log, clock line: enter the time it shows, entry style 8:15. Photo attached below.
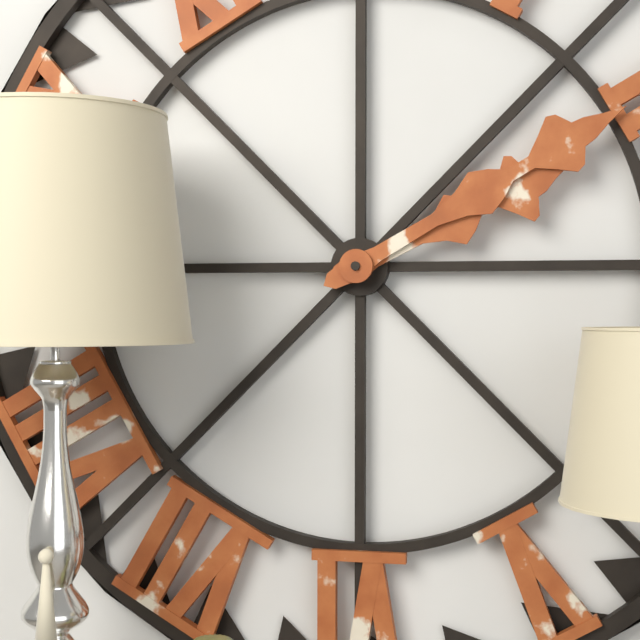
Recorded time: 2:10
